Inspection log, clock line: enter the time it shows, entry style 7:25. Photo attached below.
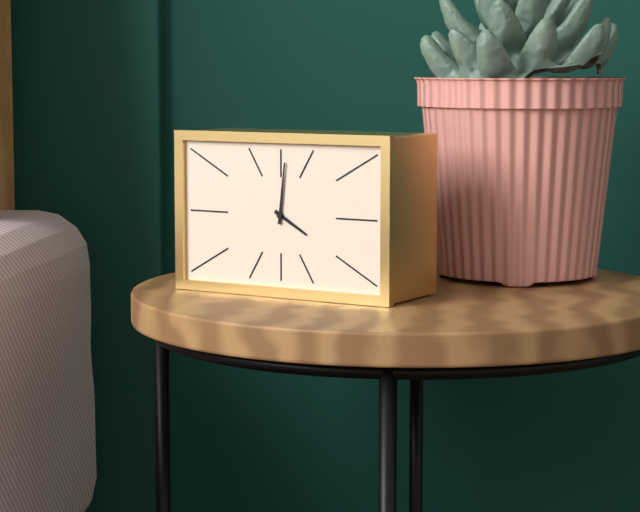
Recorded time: 4:01
